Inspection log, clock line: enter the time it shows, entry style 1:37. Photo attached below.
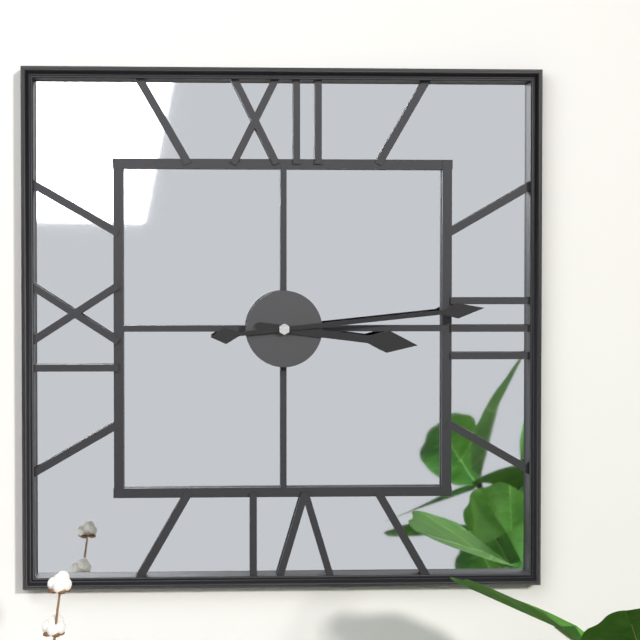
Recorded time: 3:14
